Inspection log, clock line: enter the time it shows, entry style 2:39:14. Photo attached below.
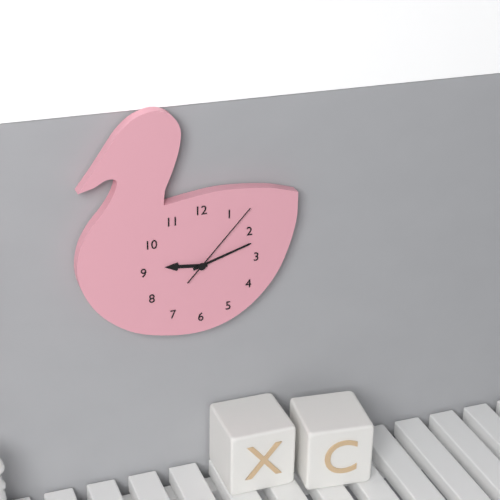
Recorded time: 9:12:07
